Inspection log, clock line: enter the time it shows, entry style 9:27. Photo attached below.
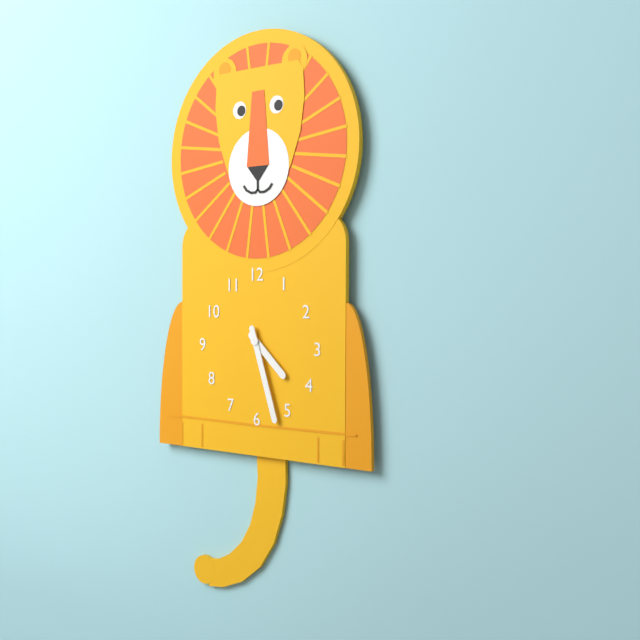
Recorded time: 4:27
